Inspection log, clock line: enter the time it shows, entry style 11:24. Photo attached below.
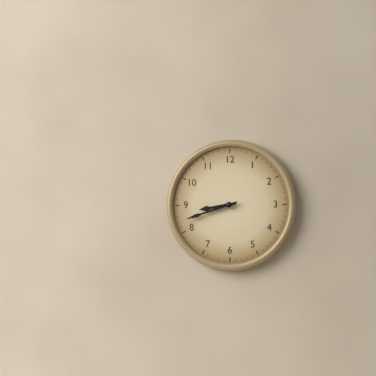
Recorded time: 8:42
